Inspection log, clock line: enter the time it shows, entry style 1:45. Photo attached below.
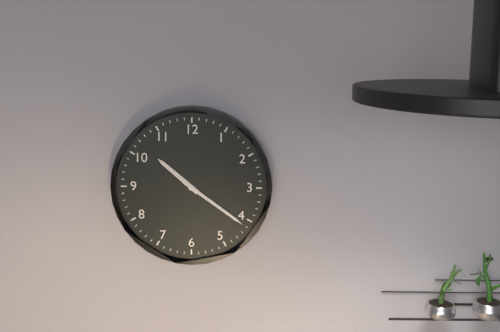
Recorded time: 10:21
